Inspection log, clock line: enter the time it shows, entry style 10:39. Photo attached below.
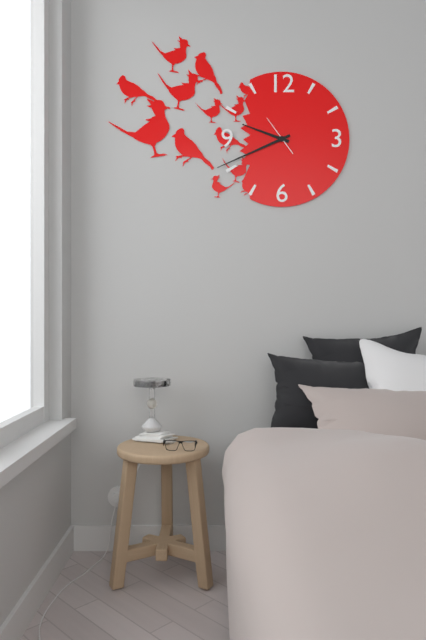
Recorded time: 9:41
